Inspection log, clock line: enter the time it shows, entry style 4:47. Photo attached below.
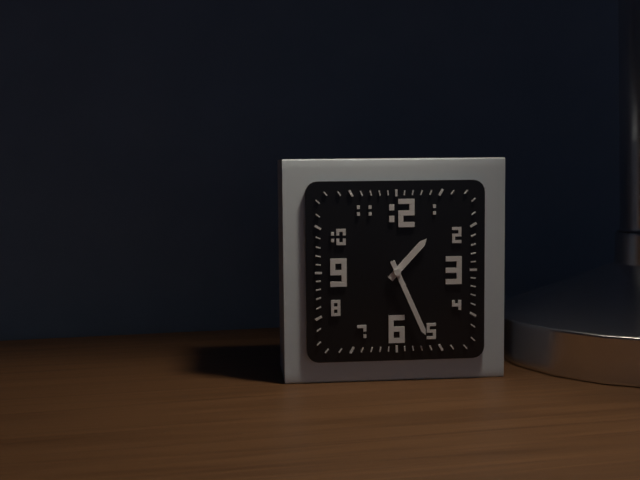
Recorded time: 1:26
